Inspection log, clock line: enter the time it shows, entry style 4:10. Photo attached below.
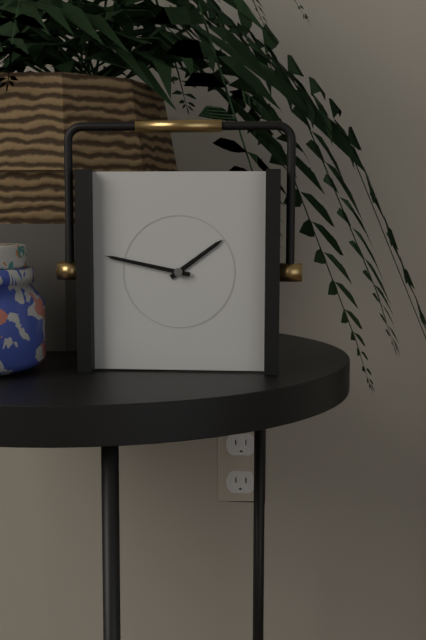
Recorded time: 1:47
